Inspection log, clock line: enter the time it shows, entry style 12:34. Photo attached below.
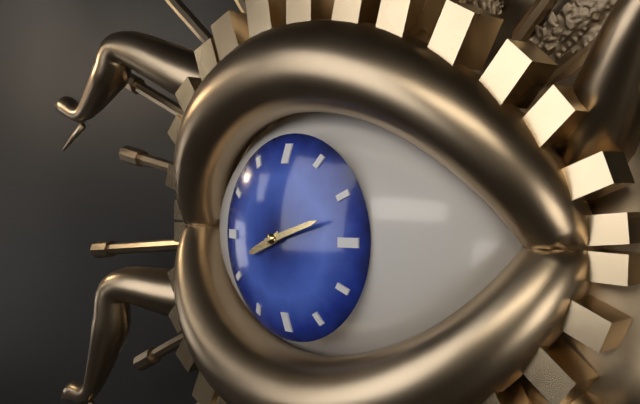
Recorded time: 8:12
